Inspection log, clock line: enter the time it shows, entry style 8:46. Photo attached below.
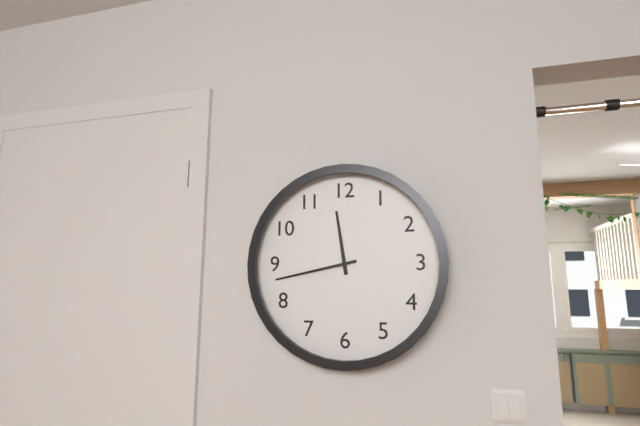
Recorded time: 11:43
